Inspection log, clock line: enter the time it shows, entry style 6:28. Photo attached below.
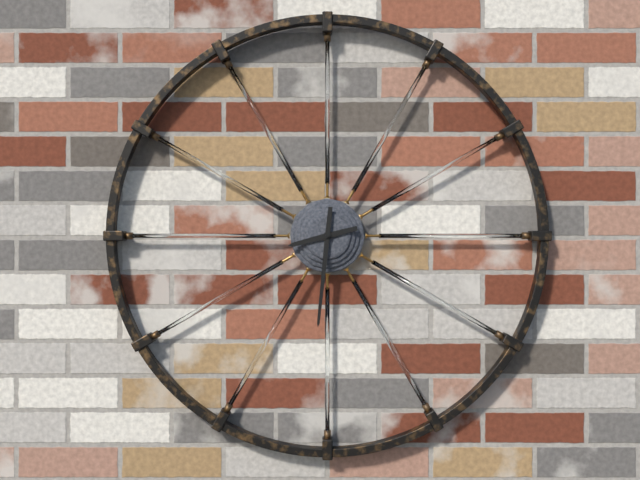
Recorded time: 8:31
